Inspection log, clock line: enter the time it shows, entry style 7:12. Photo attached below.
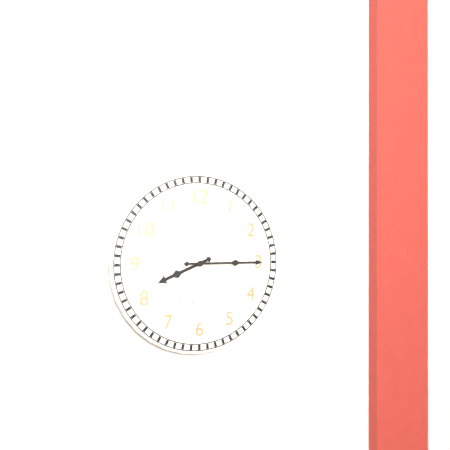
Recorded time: 8:15
